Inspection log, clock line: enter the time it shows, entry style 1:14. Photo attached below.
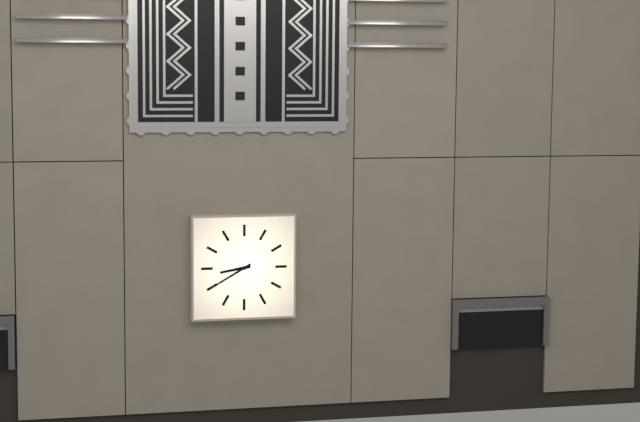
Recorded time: 8:40
